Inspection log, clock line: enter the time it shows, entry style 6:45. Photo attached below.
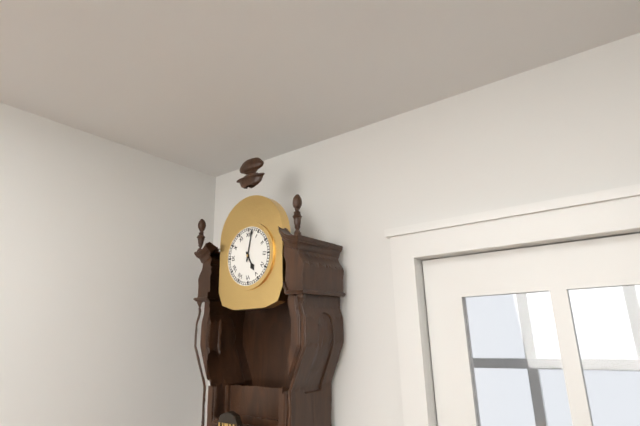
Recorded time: 5:02
